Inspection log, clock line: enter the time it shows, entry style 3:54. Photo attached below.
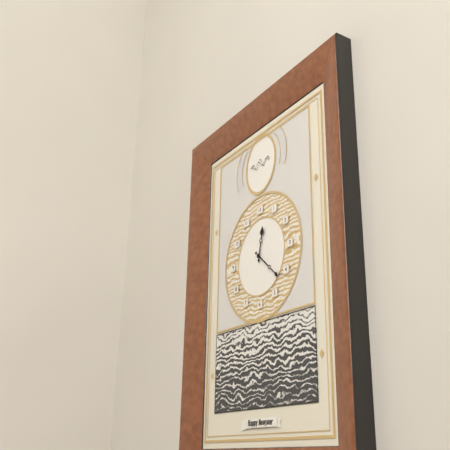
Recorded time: 12:22
